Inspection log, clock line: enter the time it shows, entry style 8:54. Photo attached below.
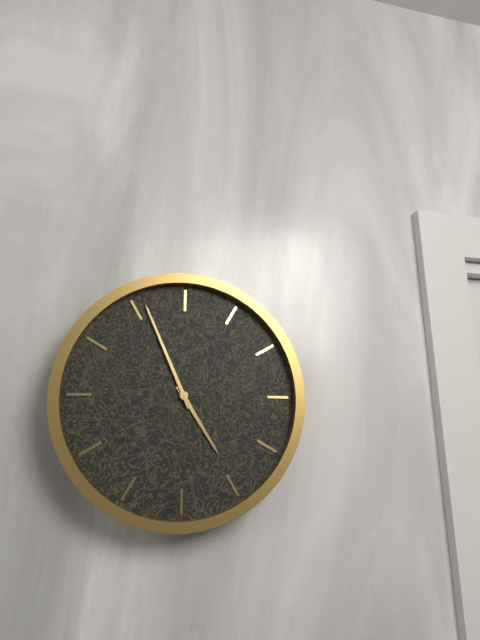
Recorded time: 4:56
